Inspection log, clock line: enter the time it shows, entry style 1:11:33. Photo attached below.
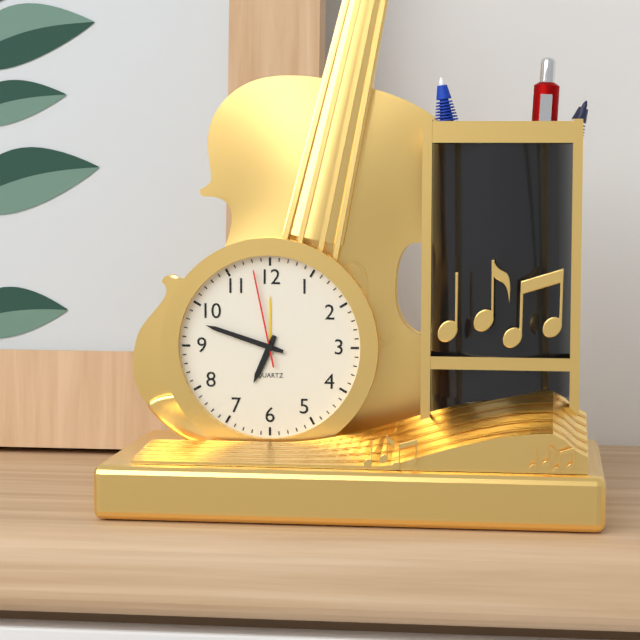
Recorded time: 6:48:58
